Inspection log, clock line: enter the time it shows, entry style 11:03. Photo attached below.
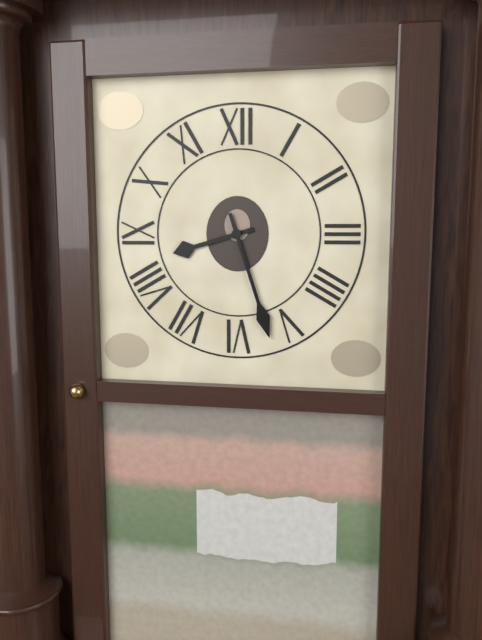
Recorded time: 8:27
